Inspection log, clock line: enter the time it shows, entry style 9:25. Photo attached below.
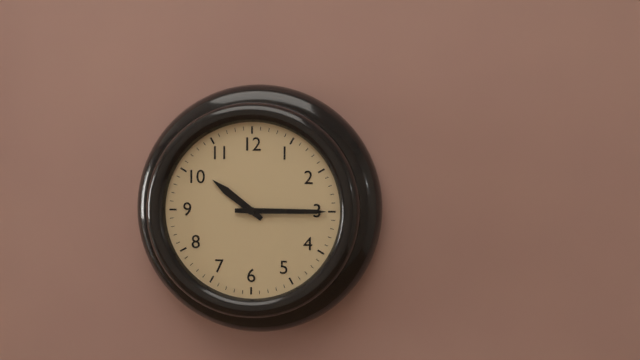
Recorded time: 10:15
